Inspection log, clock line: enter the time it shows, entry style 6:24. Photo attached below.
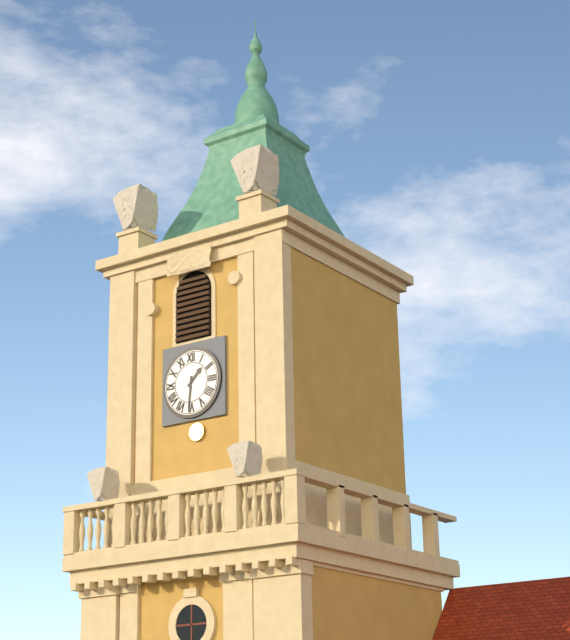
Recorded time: 1:31
